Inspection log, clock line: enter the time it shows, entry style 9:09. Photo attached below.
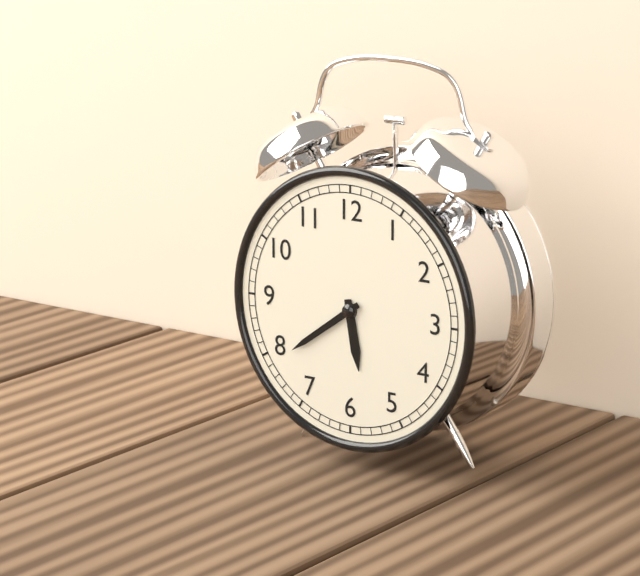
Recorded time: 5:39
